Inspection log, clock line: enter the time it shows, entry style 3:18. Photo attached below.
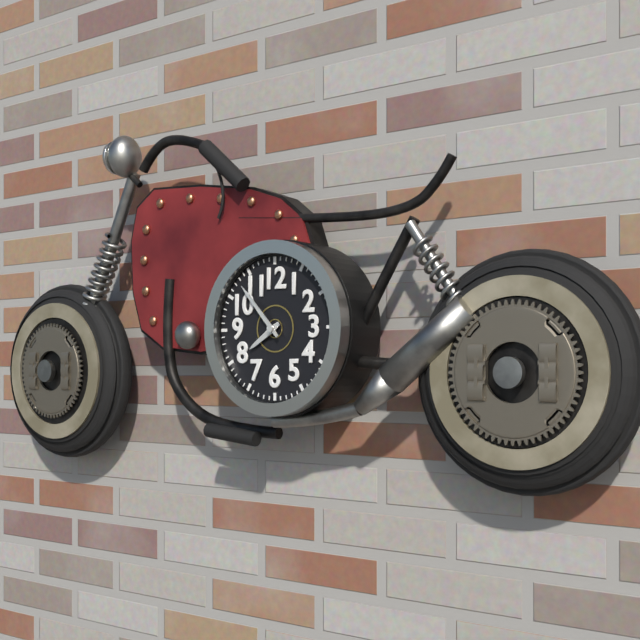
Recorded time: 7:53
